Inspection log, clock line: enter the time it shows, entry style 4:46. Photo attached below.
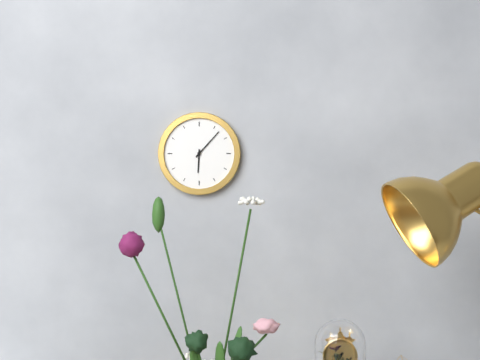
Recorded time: 6:07
